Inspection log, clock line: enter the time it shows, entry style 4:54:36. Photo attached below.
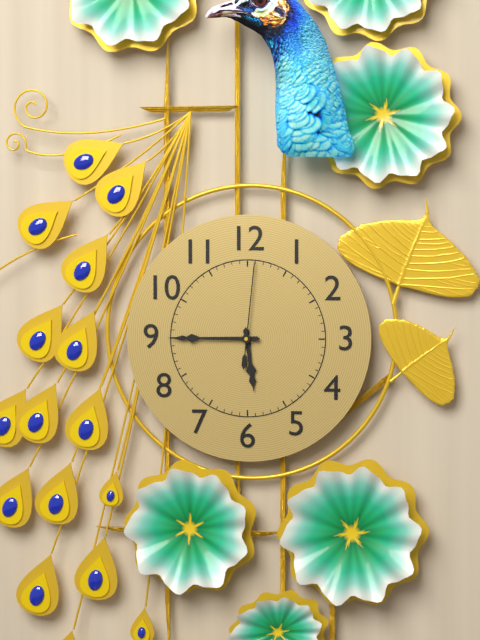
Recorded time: 5:45:01
